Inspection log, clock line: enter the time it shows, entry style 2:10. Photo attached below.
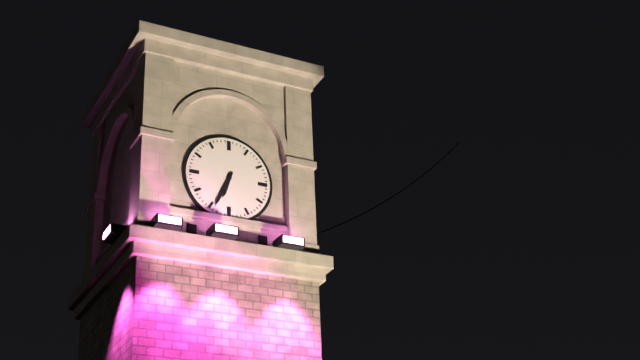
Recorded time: 6:34
